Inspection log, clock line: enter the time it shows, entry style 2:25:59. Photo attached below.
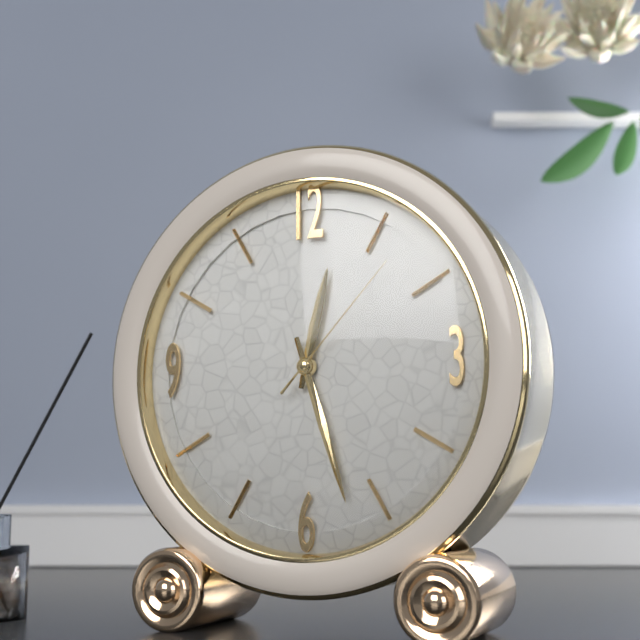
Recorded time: 12:27:07
